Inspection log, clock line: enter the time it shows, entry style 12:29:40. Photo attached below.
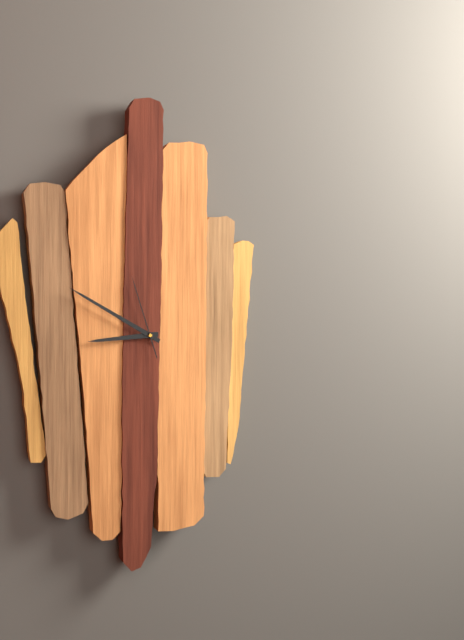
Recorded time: 8:50:57
